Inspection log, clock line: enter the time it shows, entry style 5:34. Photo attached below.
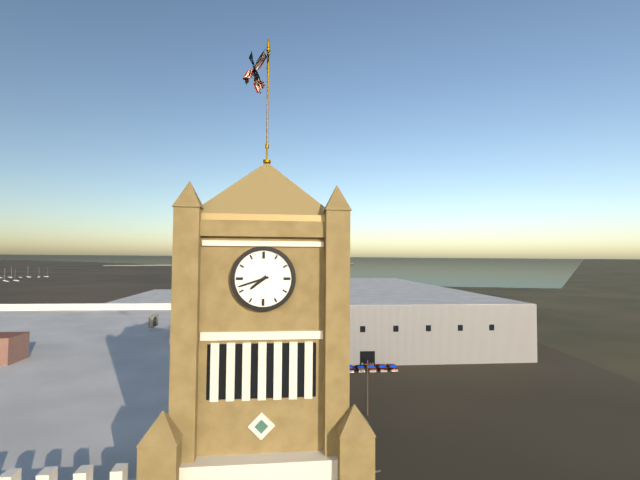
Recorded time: 7:42
